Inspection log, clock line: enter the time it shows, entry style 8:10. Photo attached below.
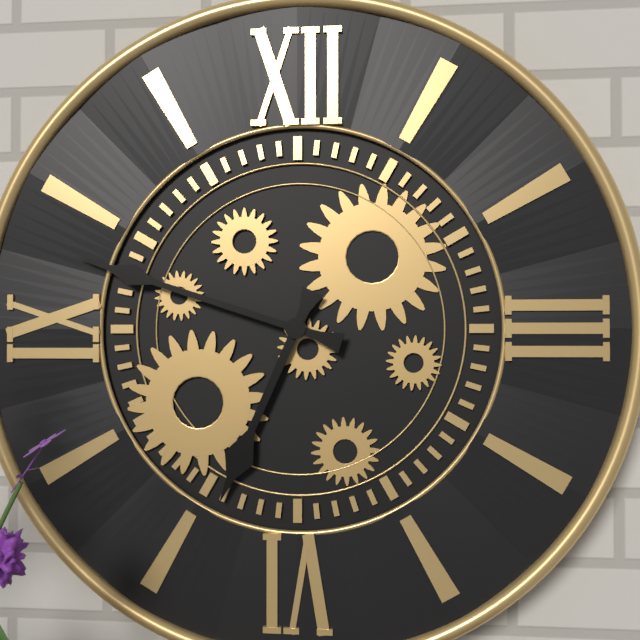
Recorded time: 6:48
